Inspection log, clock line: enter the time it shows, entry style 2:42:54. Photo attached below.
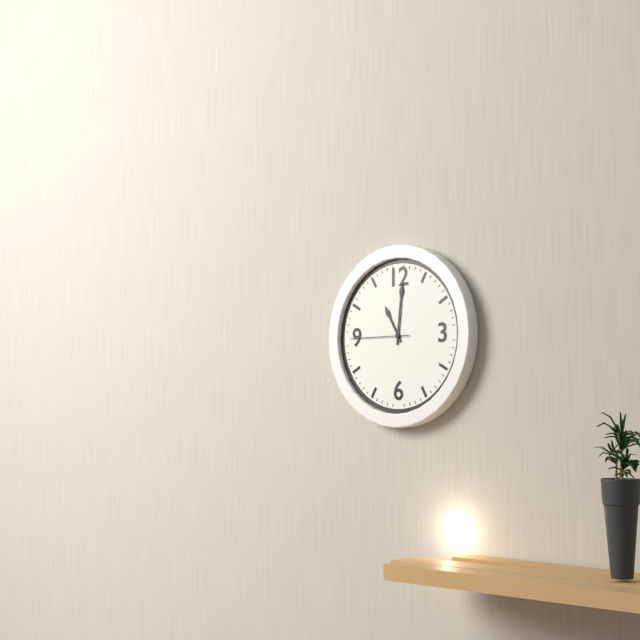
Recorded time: 11:01:45
